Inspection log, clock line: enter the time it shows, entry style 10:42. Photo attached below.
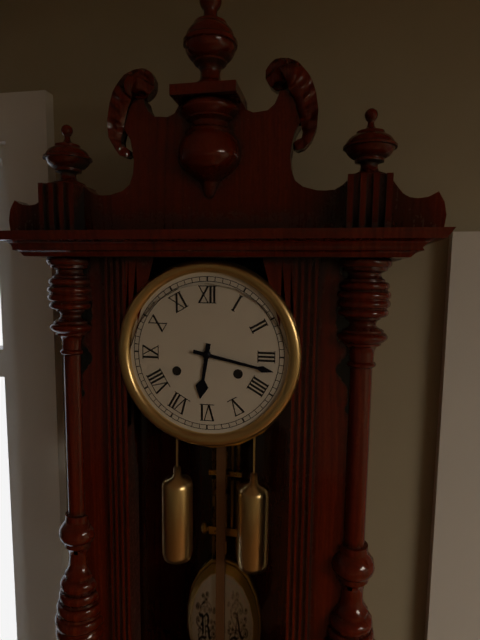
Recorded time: 6:17
